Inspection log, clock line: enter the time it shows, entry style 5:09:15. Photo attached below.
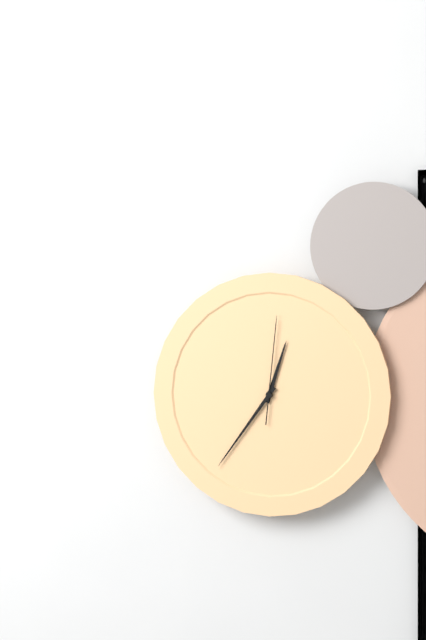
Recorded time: 12:36:01
